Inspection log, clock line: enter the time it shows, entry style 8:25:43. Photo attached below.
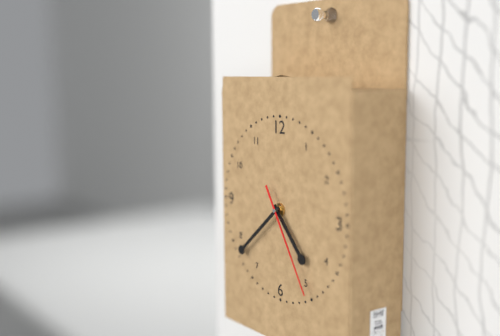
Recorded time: 4:38:25
